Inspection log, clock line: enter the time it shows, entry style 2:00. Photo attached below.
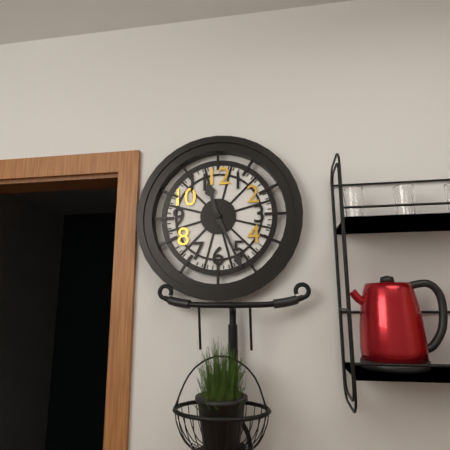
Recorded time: 11:26
